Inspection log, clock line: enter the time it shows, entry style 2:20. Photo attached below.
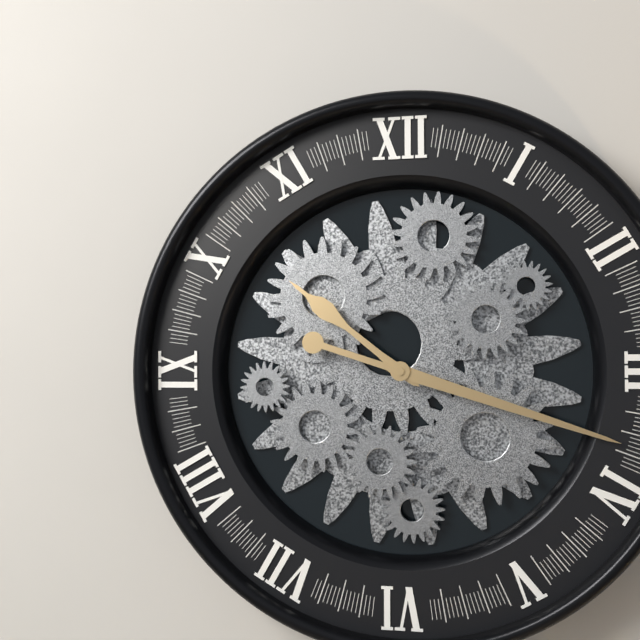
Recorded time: 10:18
